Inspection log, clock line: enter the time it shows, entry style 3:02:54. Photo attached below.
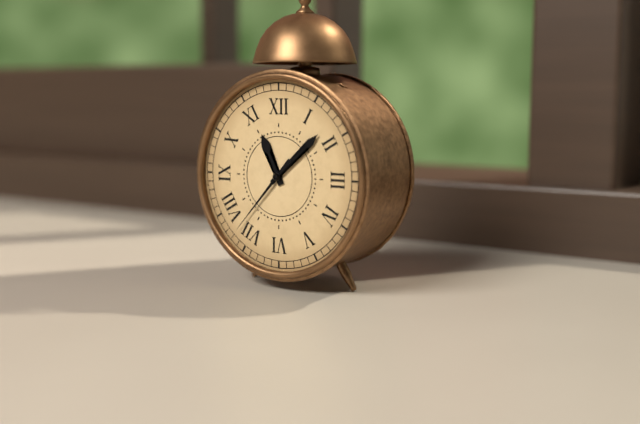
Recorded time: 11:08:37
